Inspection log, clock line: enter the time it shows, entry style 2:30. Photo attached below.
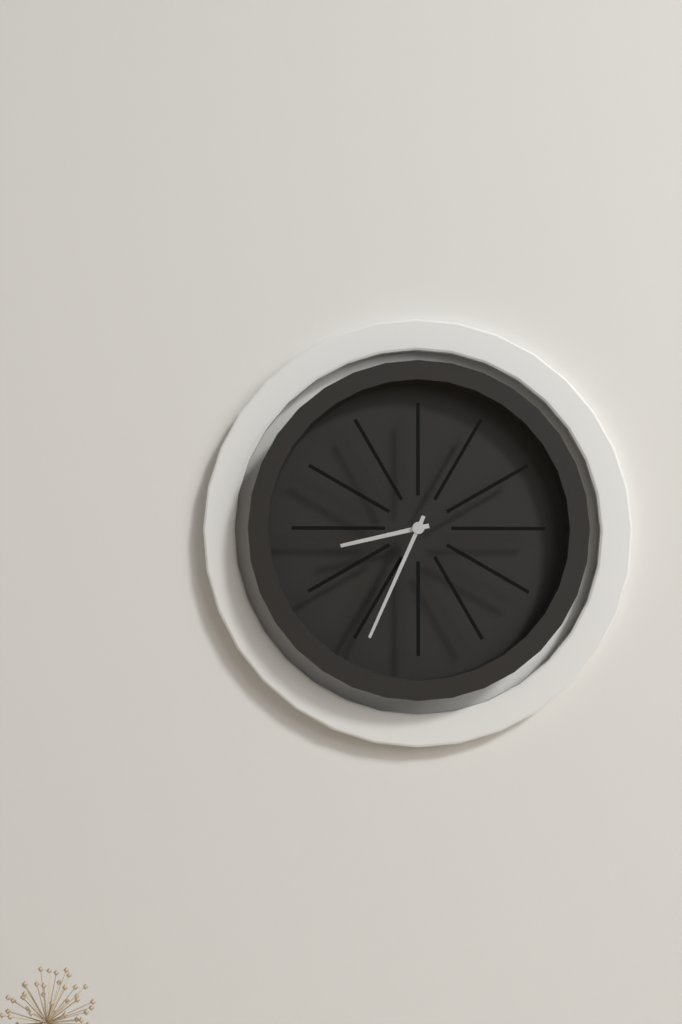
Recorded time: 8:34
